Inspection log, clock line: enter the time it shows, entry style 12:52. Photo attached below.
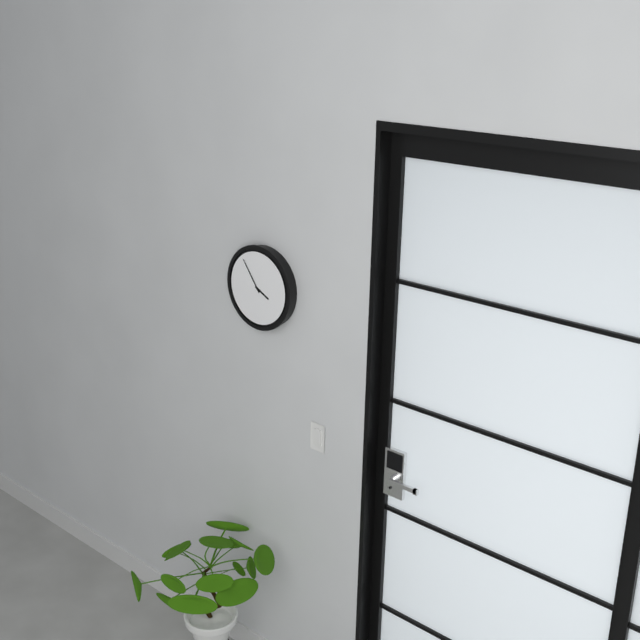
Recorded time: 3:54
